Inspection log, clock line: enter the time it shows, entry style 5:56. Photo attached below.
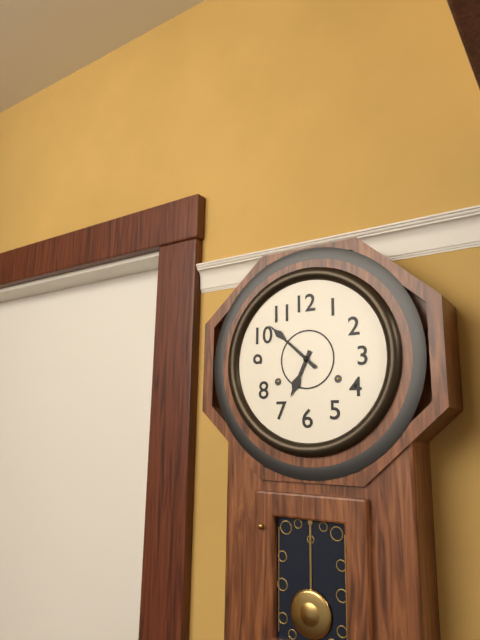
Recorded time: 6:52
